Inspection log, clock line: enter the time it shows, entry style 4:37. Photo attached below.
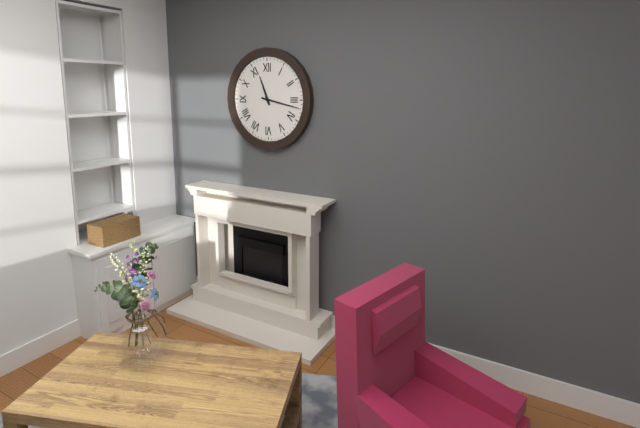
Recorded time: 11:17
